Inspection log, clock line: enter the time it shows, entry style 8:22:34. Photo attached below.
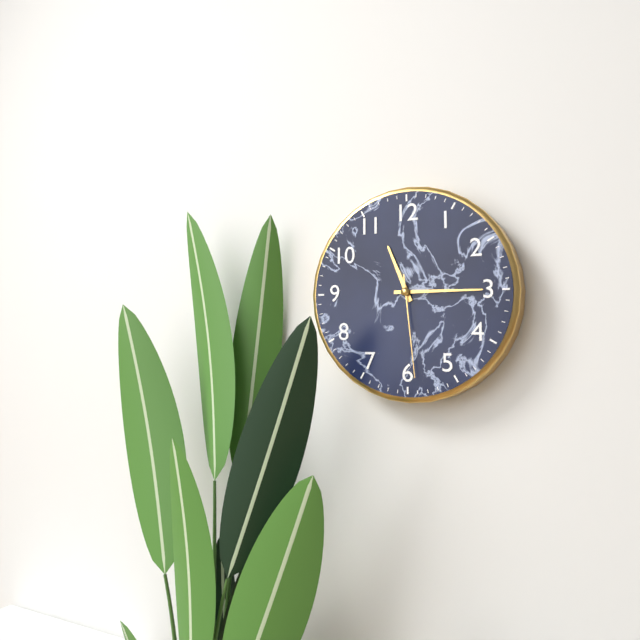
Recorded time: 11:15:29
